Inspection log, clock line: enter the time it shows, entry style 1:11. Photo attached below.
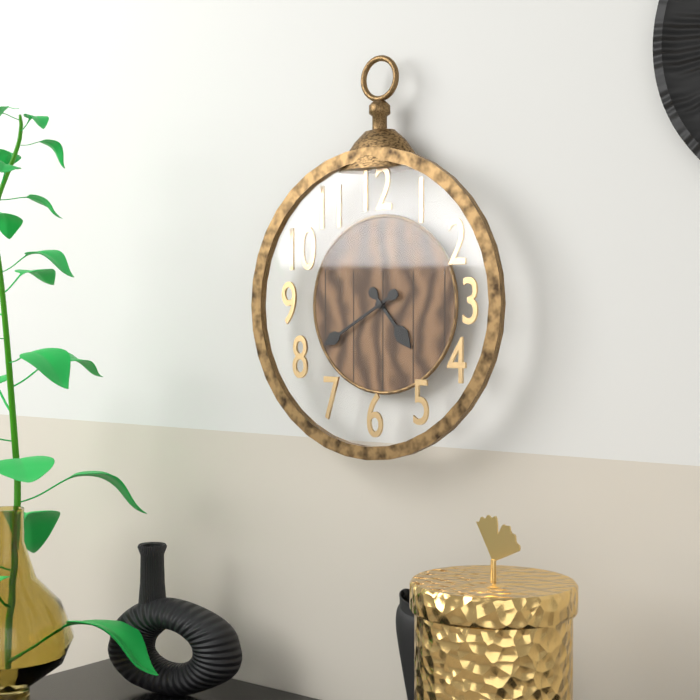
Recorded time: 4:40
